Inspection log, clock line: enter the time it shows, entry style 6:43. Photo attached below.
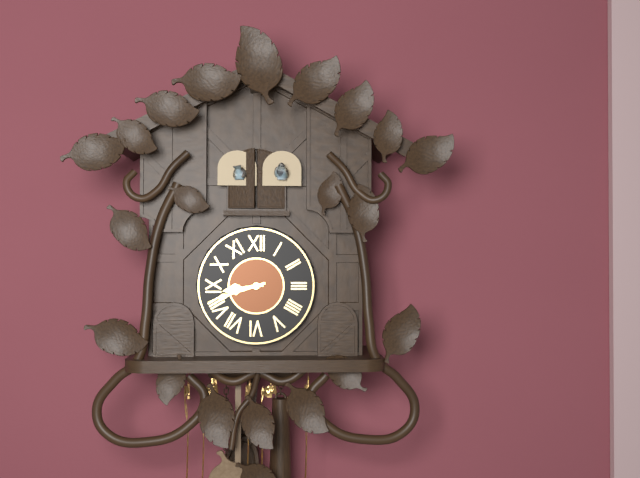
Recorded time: 8:42
